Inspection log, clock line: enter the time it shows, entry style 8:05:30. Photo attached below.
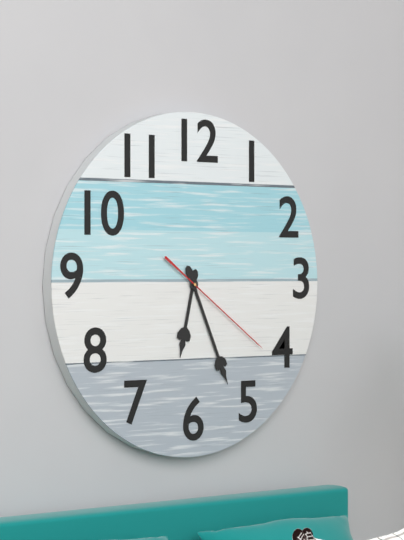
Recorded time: 6:26:21
